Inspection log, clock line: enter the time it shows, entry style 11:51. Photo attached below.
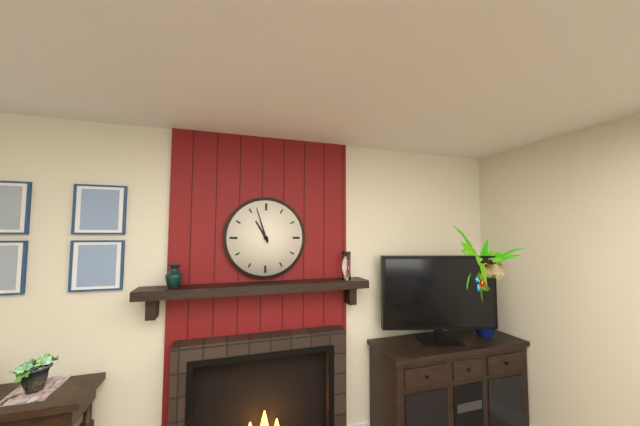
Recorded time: 10:57
